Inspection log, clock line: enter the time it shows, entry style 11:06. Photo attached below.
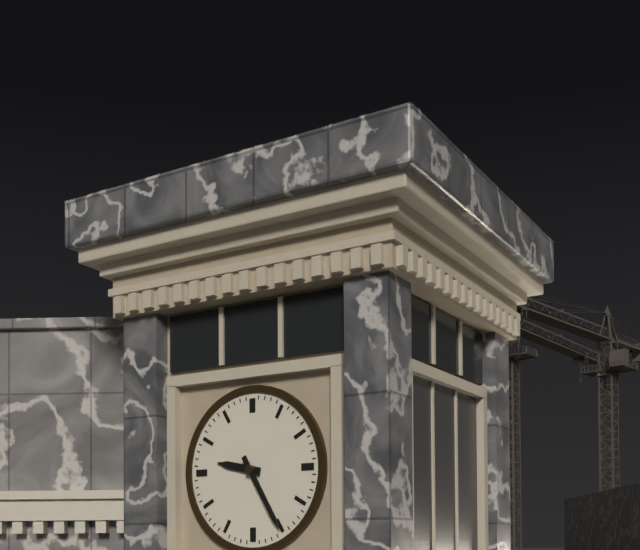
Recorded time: 9:25
